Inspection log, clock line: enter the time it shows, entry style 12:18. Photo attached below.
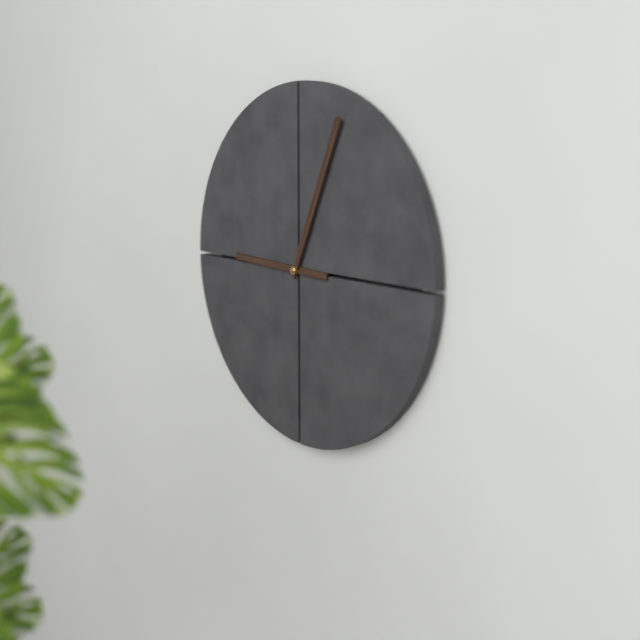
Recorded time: 9:04
